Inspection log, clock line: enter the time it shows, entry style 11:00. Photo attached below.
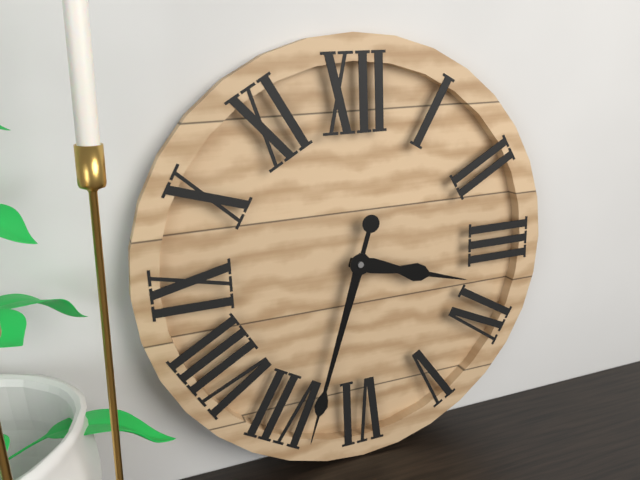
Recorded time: 3:33
